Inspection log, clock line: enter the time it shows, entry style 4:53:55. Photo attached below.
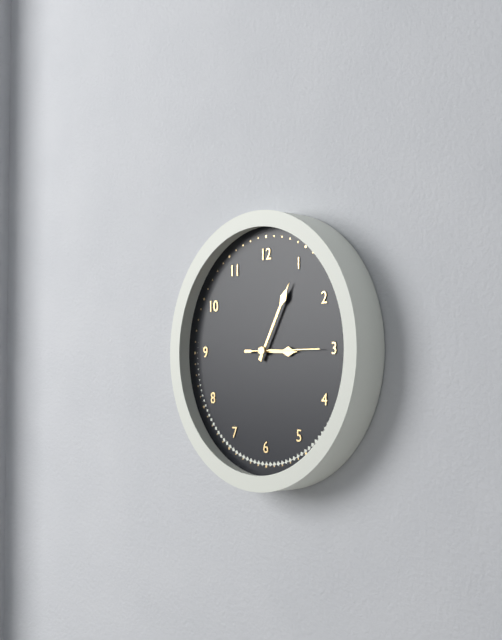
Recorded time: 3:05:15
